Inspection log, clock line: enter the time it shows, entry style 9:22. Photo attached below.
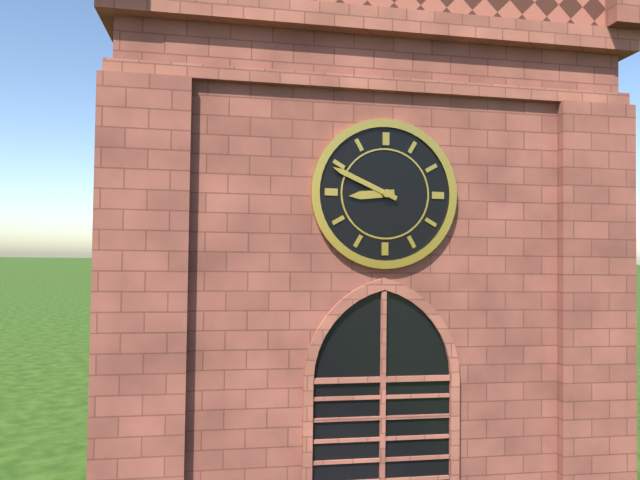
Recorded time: 8:49
